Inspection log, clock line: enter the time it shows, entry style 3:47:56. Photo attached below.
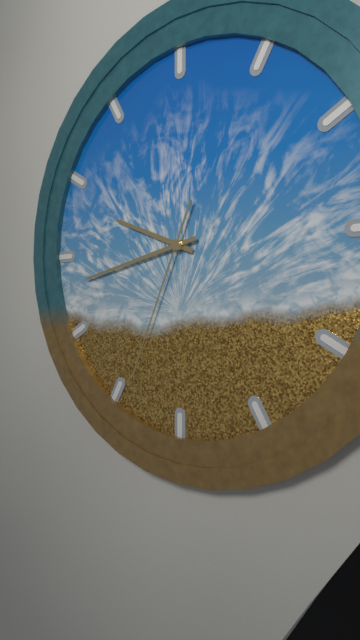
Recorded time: 9:43:34
